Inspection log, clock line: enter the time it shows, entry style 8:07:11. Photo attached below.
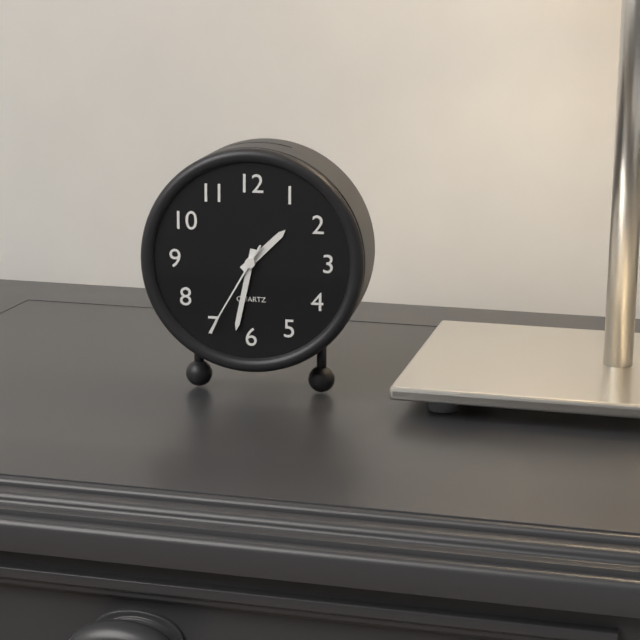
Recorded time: 1:32:35
